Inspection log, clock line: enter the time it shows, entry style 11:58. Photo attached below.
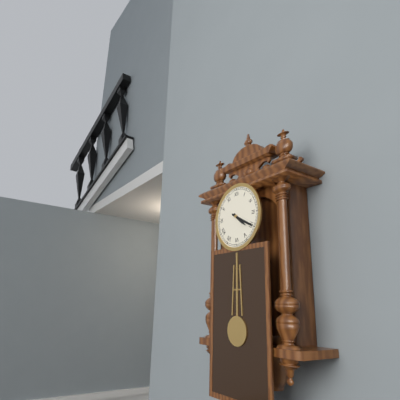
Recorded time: 4:20
